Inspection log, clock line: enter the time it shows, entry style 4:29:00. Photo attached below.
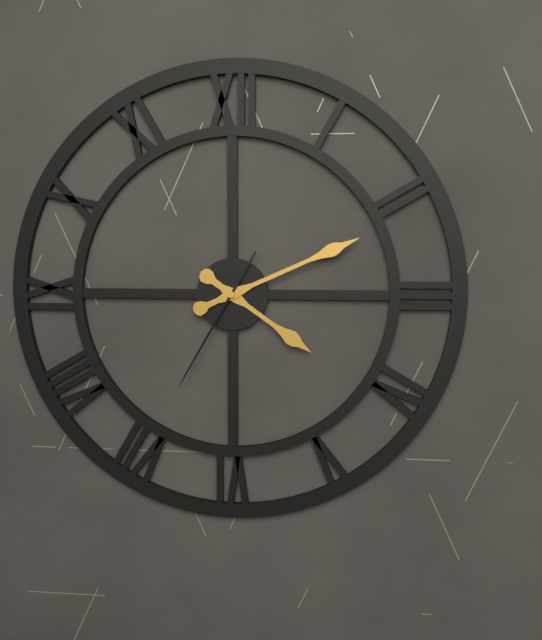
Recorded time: 4:11:35
